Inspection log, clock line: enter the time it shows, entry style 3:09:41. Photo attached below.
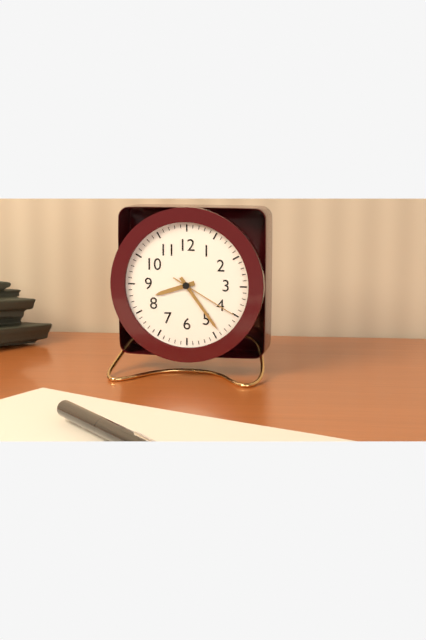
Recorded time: 8:24:20
